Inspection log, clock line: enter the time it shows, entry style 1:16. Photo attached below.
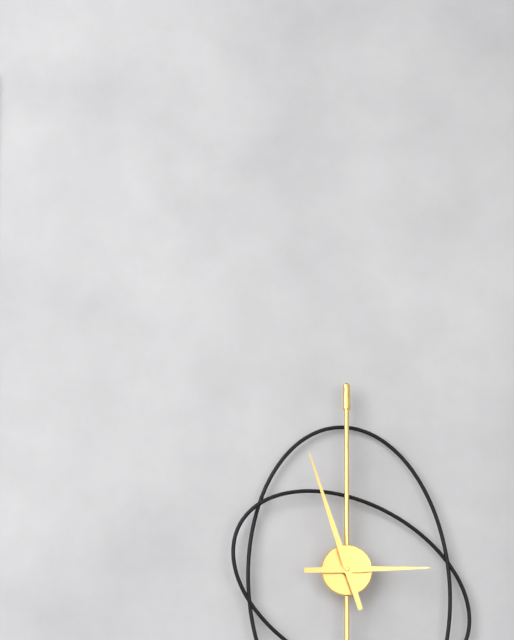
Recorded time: 2:57
